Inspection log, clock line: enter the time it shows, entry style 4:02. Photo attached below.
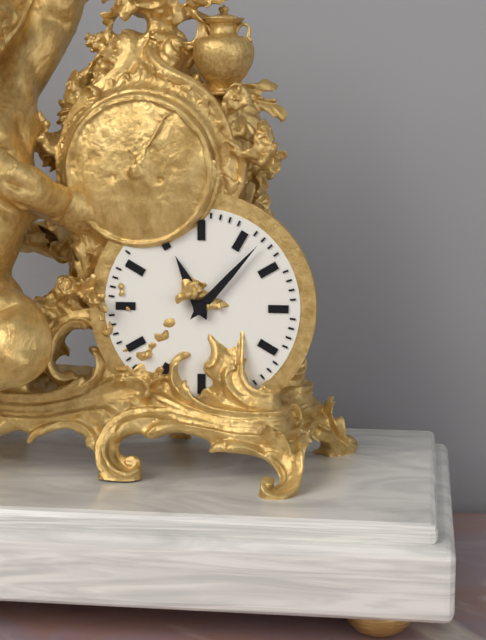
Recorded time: 11:07
